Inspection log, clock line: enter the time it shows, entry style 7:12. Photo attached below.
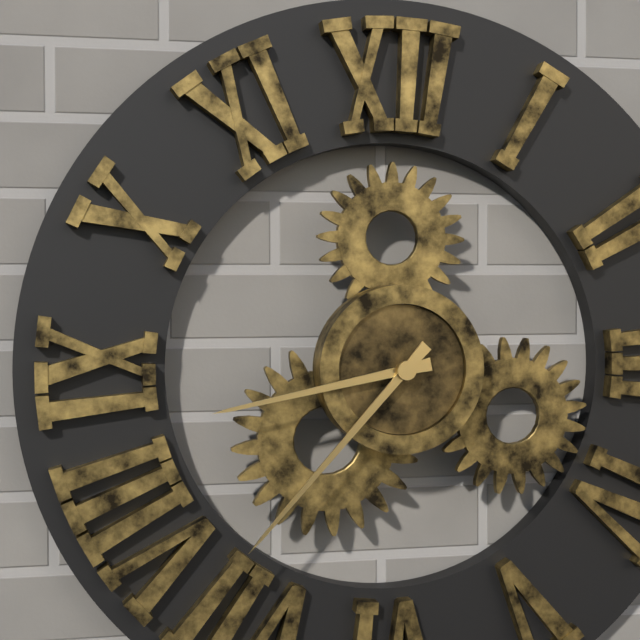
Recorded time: 8:37
